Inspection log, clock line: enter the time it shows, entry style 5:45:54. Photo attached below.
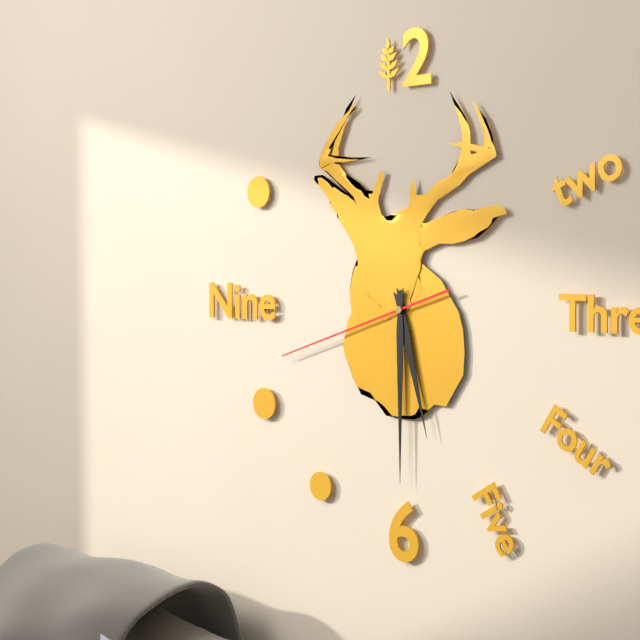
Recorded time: 5:30:42
